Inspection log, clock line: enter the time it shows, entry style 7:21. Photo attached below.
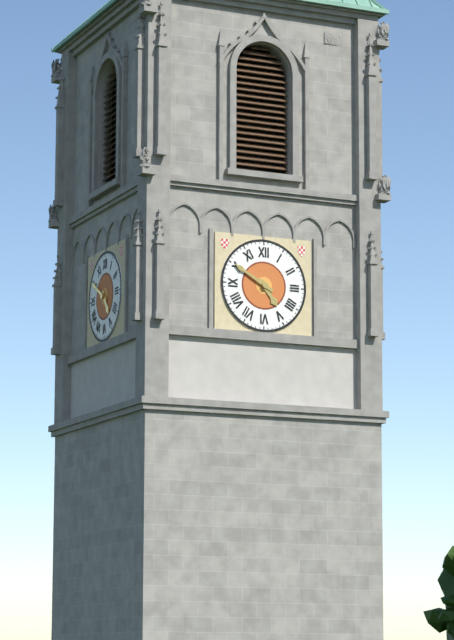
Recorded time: 4:50
